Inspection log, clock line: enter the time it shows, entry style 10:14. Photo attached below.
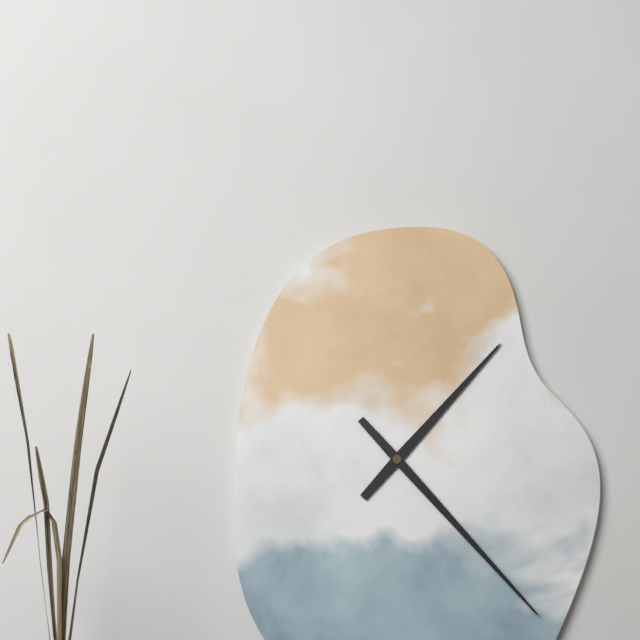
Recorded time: 1:23
